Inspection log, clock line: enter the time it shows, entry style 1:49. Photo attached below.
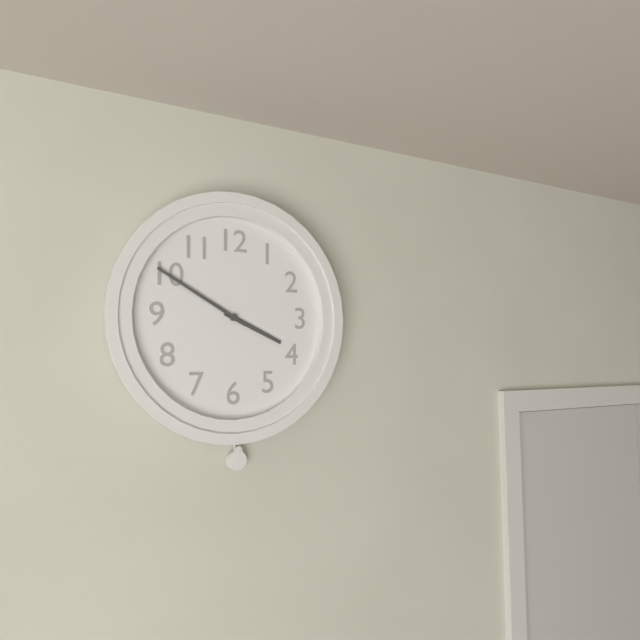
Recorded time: 3:50
